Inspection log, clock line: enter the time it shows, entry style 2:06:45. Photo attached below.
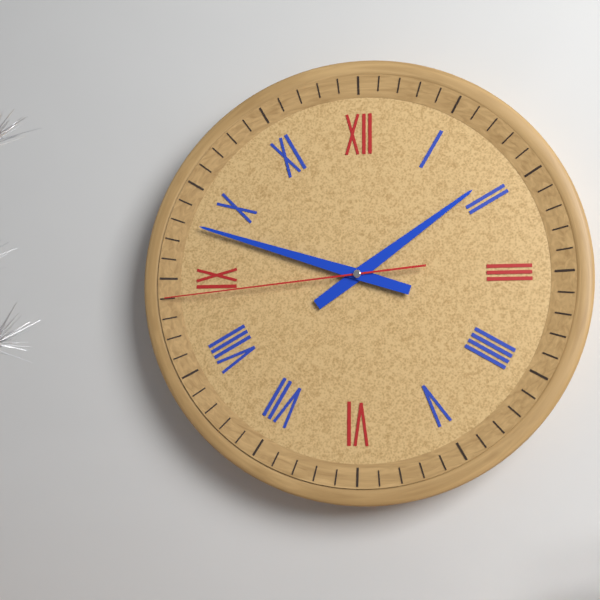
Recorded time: 1:48:44
